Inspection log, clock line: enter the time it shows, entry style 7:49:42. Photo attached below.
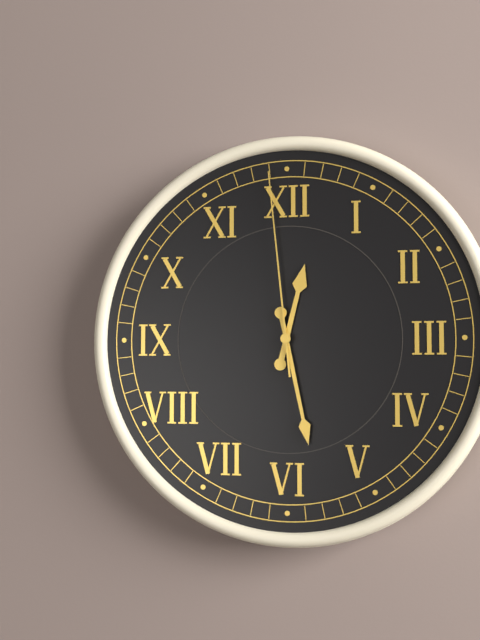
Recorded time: 12:28:59
